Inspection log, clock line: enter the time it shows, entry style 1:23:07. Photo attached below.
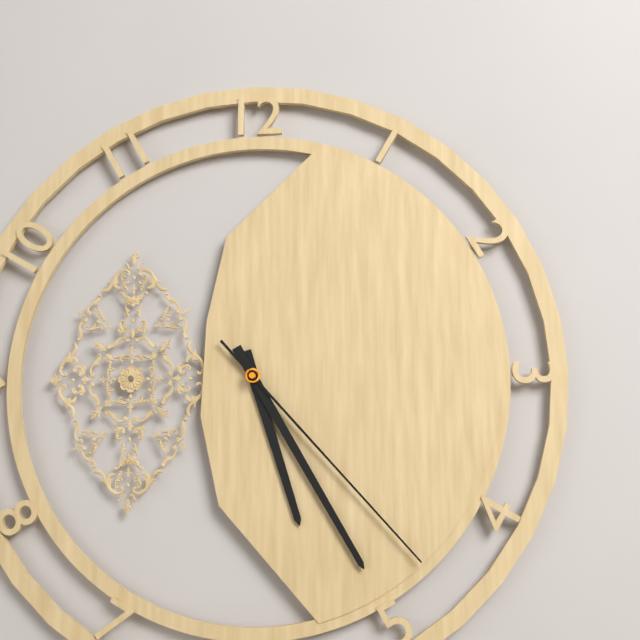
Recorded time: 5:25:23
